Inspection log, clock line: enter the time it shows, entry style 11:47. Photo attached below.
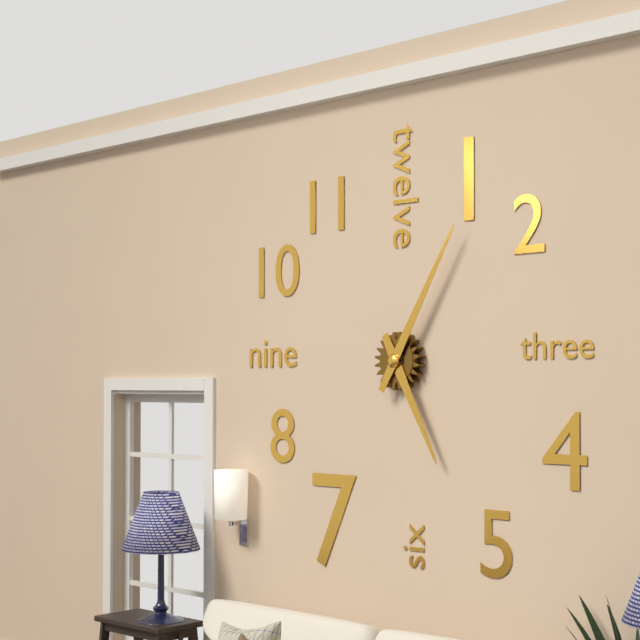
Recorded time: 5:05
